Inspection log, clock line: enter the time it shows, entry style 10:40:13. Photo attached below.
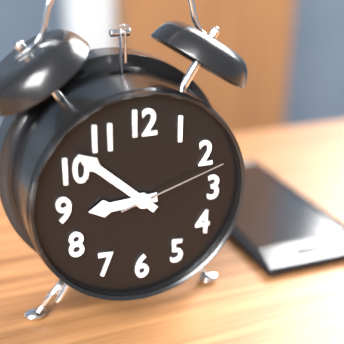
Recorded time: 8:52:12
